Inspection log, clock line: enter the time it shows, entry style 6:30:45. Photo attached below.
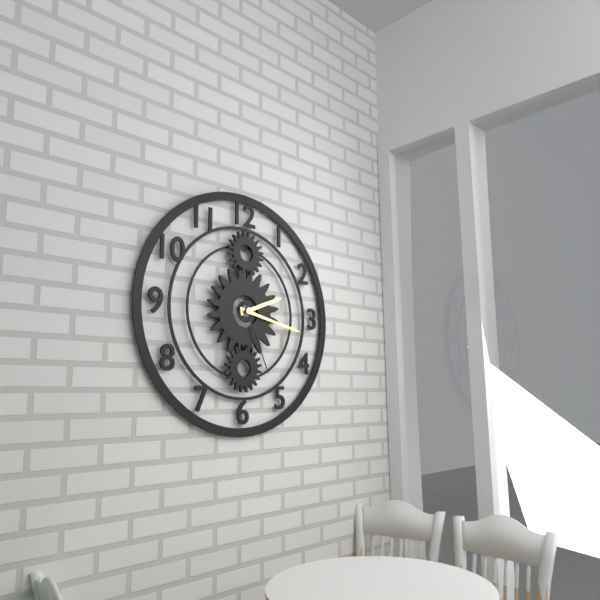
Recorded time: 2:17:26
